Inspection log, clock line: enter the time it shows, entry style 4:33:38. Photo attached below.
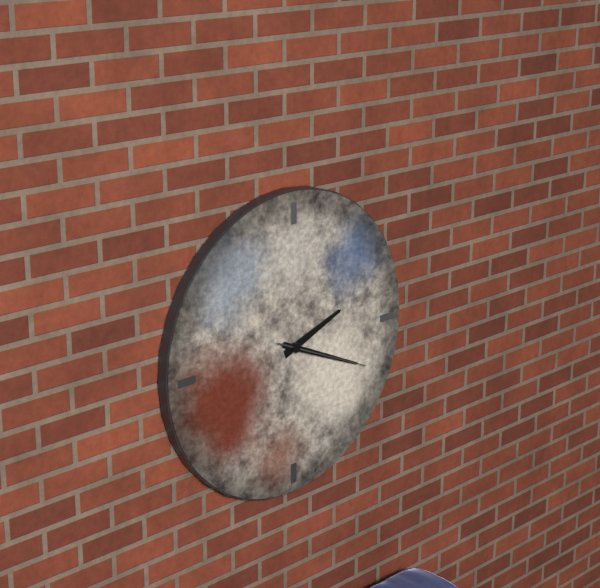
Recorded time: 2:19:19
